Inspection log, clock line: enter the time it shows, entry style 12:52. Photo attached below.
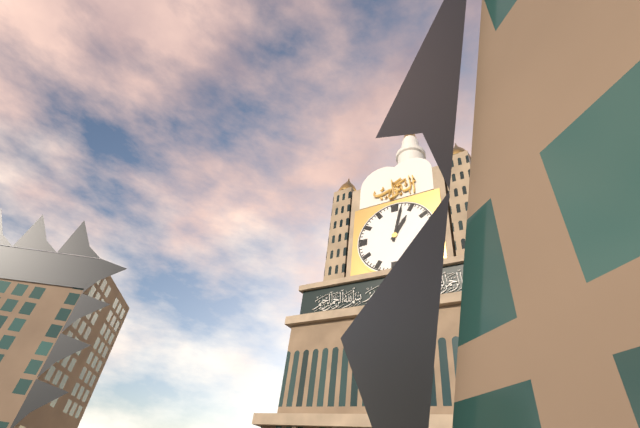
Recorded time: 1:02
